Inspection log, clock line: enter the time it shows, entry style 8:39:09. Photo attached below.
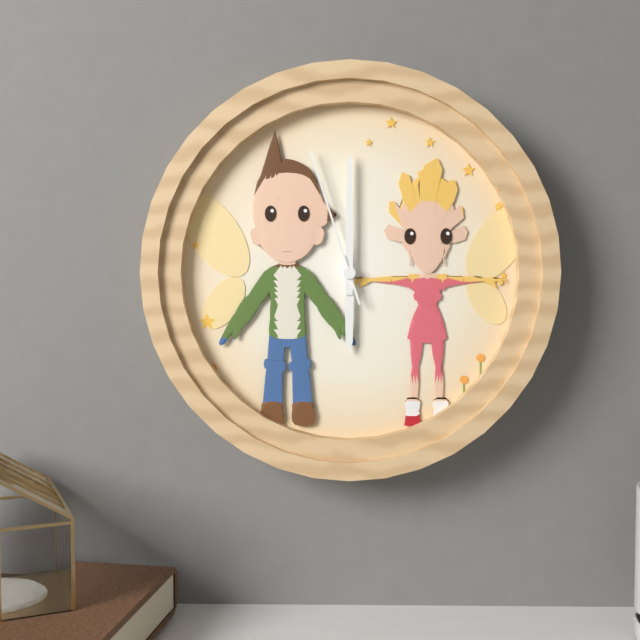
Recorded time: 6:00:57
